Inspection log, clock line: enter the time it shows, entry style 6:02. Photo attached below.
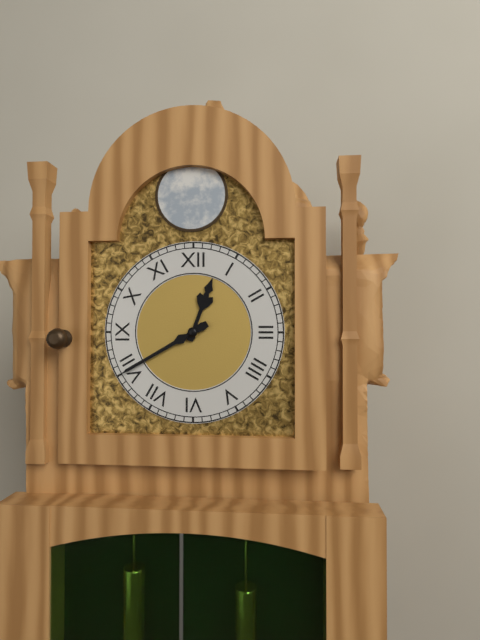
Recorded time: 12:40
